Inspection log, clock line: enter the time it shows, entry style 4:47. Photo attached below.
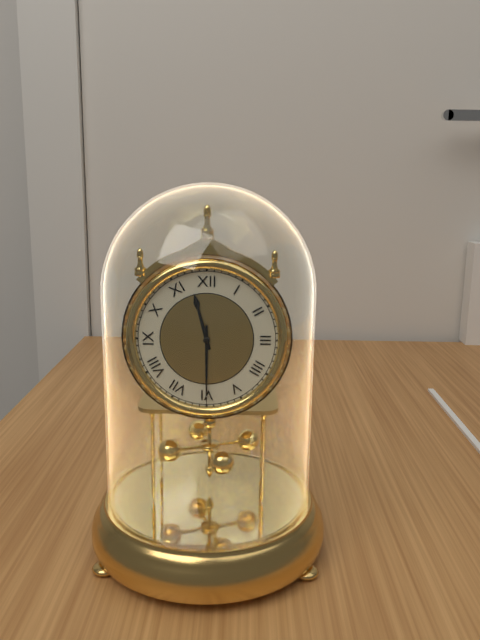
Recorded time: 11:30
